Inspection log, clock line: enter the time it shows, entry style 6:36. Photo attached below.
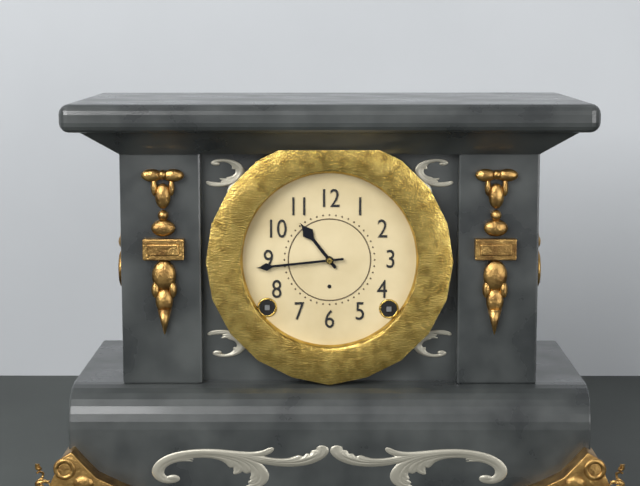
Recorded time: 10:44
